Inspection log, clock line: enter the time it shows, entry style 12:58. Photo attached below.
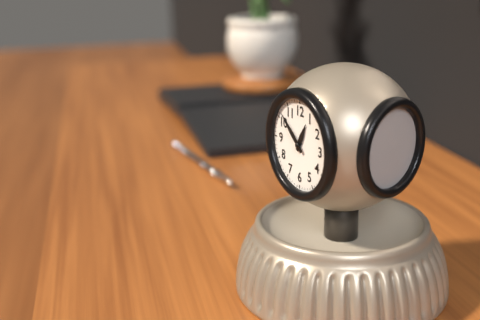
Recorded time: 12:52
